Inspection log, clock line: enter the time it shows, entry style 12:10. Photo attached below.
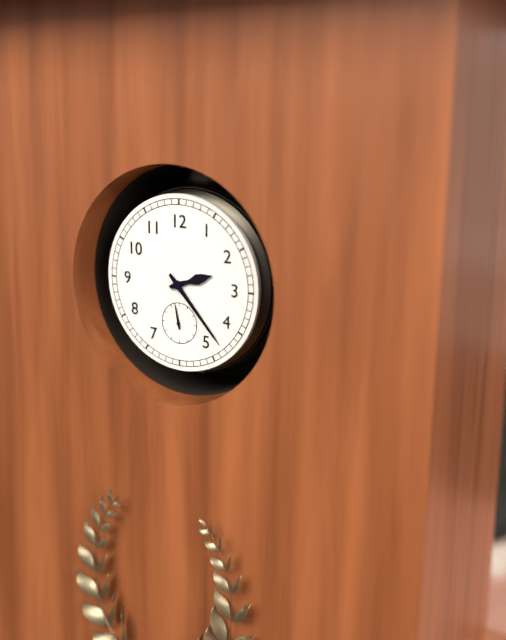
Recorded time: 2:23
